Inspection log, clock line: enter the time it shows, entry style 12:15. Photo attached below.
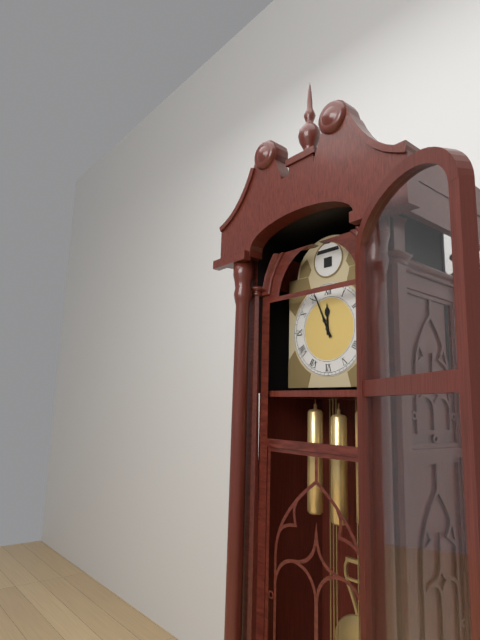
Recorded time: 11:56
